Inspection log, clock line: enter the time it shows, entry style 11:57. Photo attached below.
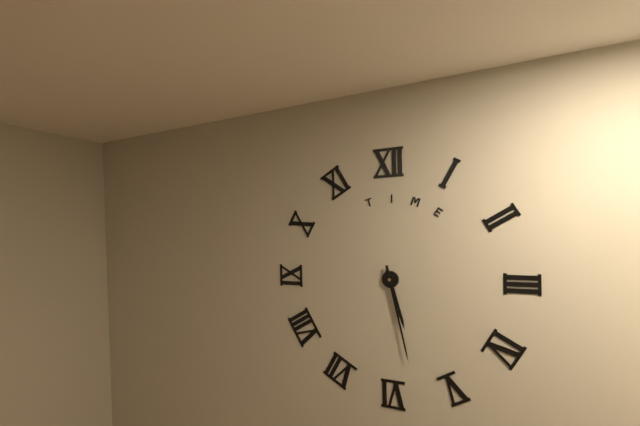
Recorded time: 5:28
